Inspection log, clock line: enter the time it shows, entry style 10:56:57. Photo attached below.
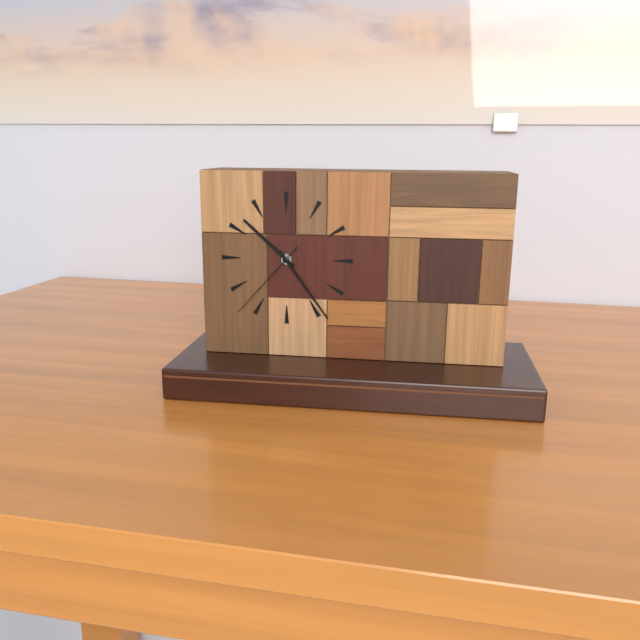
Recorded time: 10:24:37
